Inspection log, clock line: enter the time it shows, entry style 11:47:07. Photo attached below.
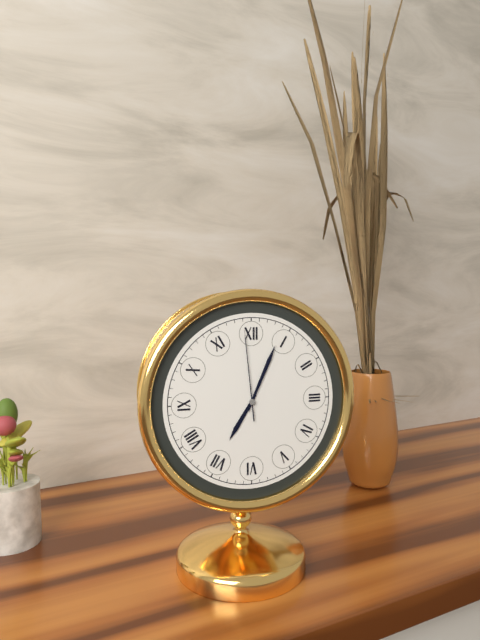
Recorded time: 7:04:59
